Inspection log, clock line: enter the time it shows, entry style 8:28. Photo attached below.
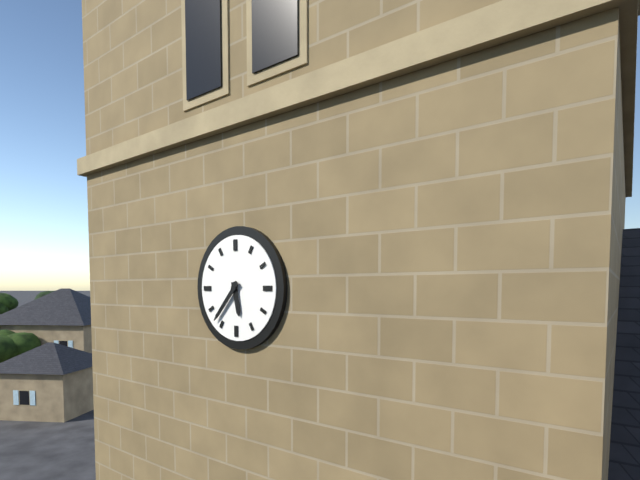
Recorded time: 5:37
